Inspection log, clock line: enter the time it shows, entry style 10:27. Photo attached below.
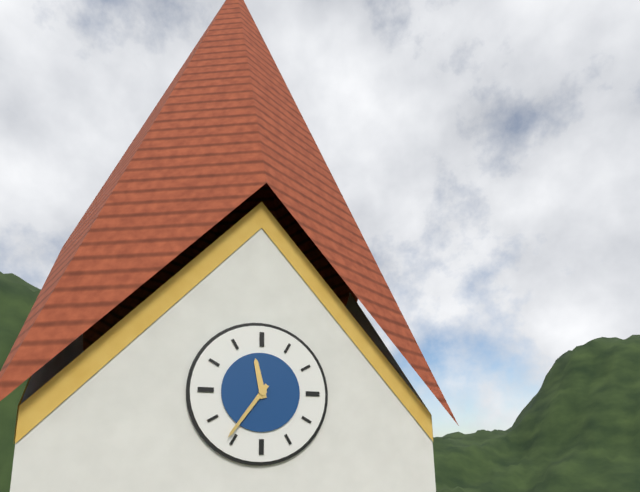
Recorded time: 11:36
